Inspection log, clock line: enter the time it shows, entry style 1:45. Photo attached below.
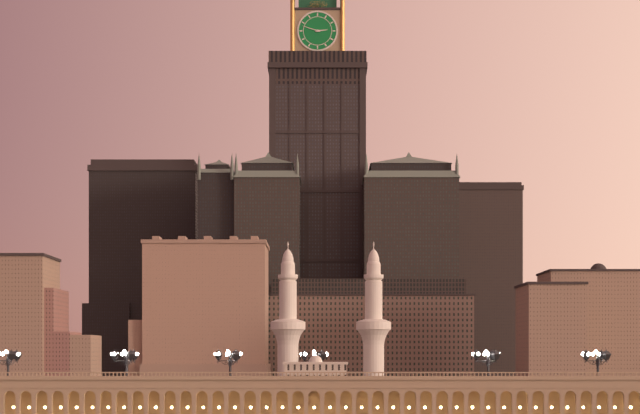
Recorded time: 2:48
